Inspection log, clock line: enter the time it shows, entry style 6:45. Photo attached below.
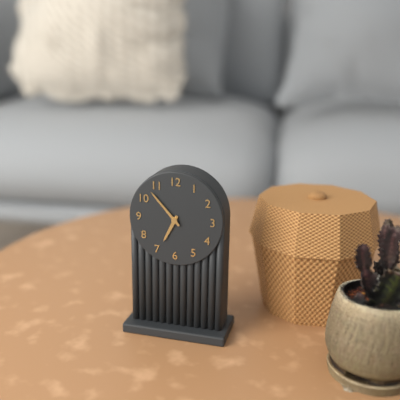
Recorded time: 6:53
